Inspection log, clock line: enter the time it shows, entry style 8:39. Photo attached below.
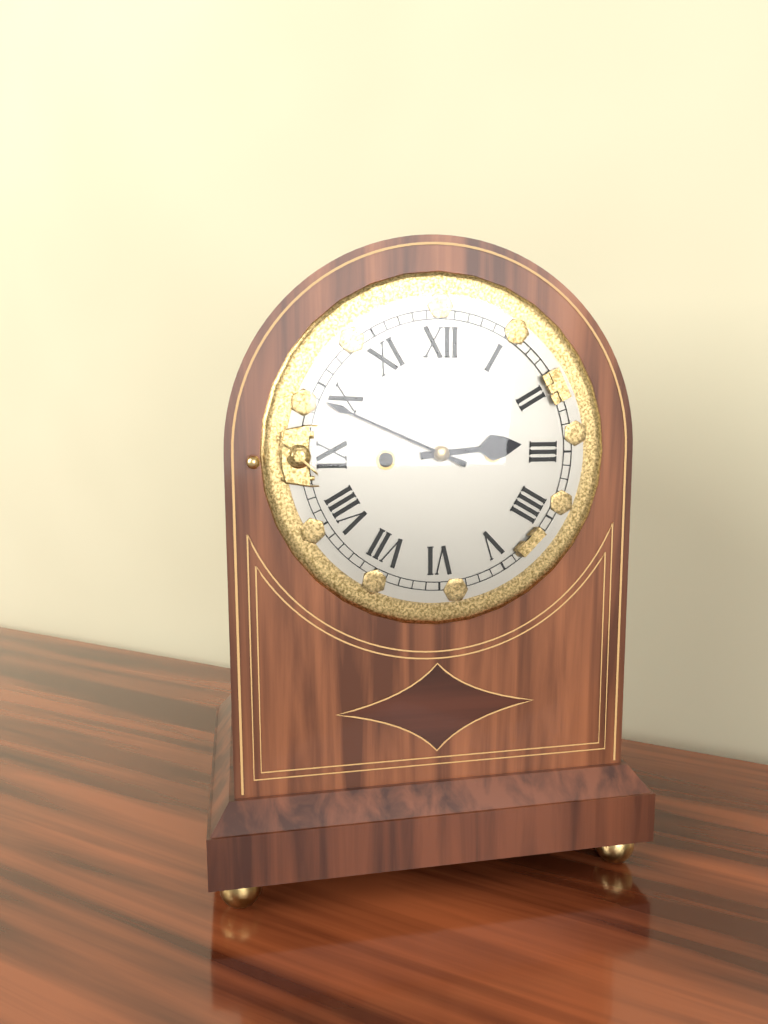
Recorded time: 2:49
